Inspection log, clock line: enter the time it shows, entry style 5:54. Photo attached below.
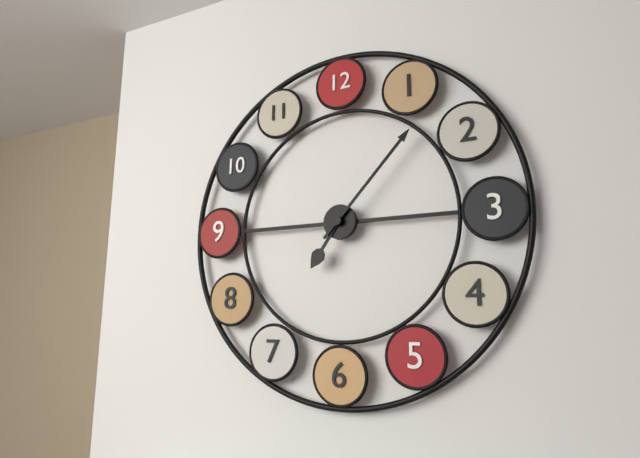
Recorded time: 7:07
